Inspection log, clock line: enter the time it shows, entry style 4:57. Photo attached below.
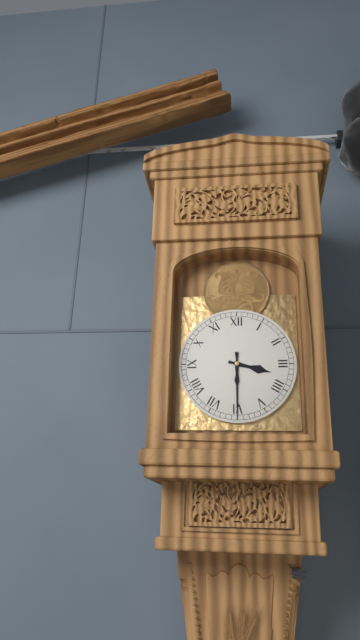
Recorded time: 3:30
